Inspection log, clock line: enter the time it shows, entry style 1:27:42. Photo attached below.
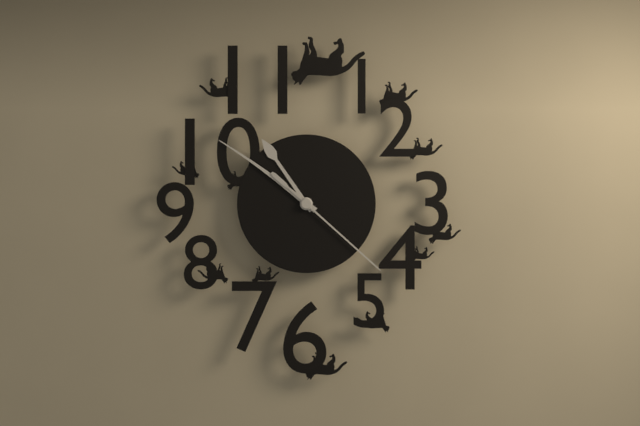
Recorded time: 10:51:22
